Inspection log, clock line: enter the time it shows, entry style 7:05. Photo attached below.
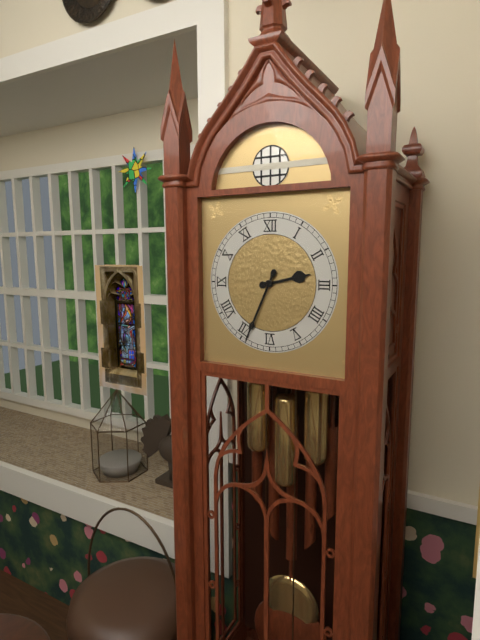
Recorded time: 2:34
